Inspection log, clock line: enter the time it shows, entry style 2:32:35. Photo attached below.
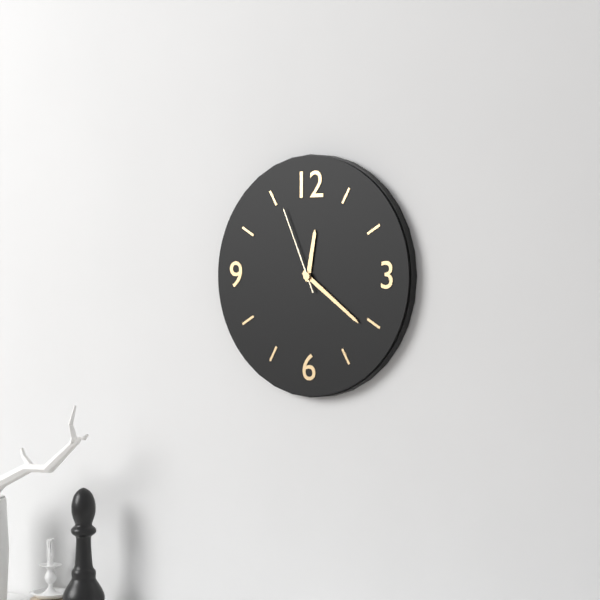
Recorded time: 12:21:56
